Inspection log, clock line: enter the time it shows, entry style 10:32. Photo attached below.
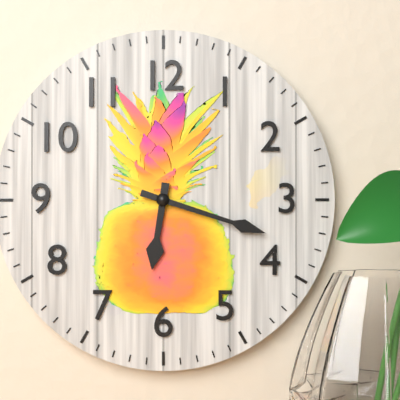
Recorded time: 6:18
